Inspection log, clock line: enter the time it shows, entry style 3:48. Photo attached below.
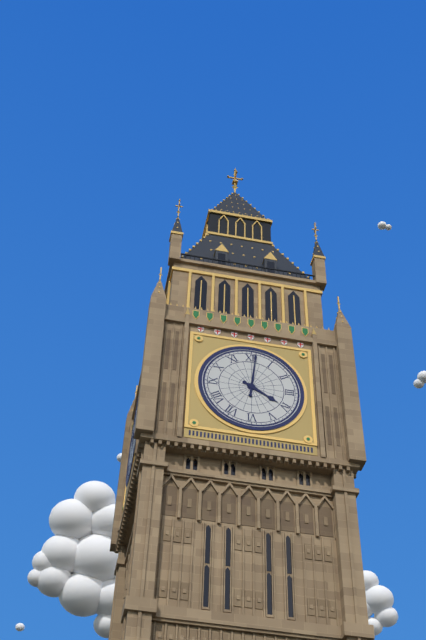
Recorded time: 4:01
